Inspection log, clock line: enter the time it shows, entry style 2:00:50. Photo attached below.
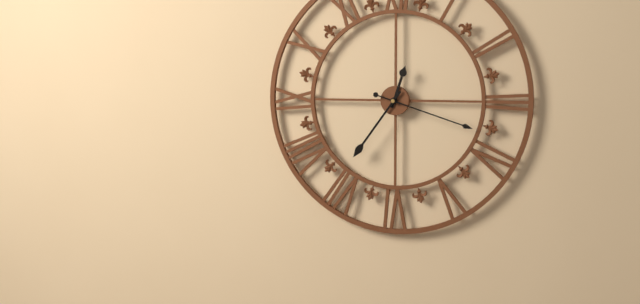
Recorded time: 12:36:18
